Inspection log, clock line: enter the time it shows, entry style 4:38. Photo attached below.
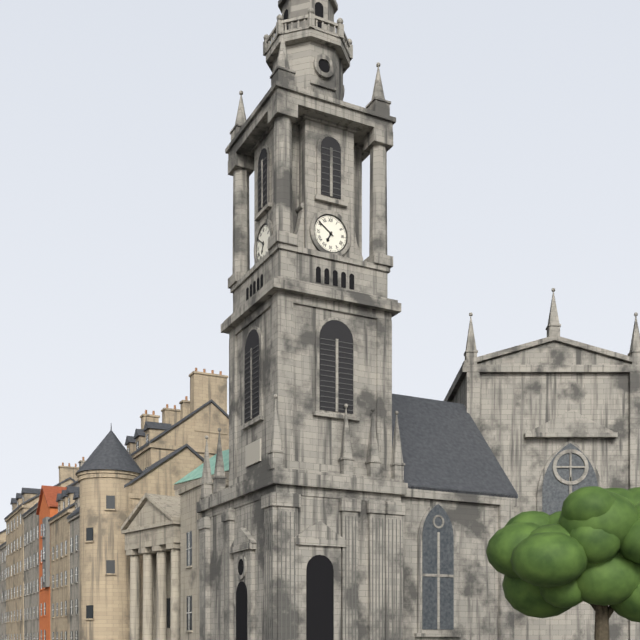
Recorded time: 6:51
